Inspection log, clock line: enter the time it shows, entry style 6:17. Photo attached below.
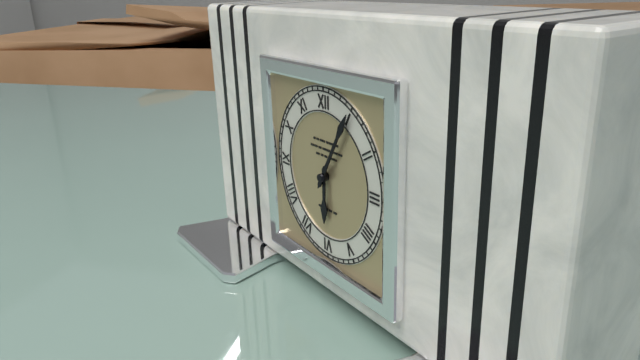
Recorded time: 6:05
